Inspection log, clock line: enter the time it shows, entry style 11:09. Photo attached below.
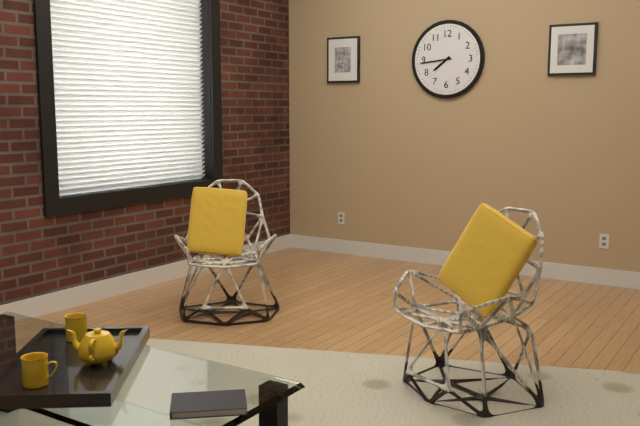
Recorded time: 7:44
